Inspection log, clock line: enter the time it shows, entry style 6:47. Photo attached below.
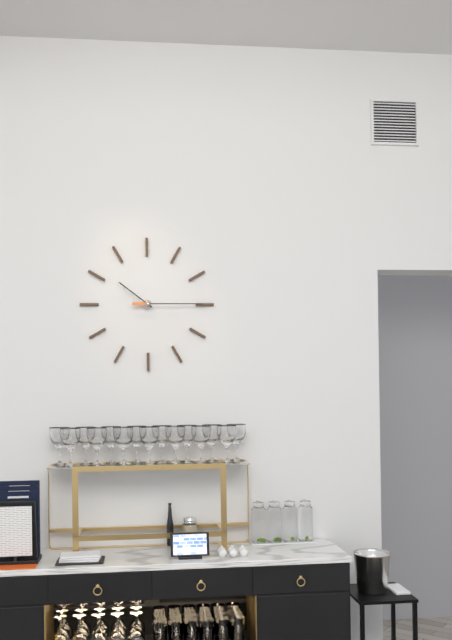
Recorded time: 10:15
